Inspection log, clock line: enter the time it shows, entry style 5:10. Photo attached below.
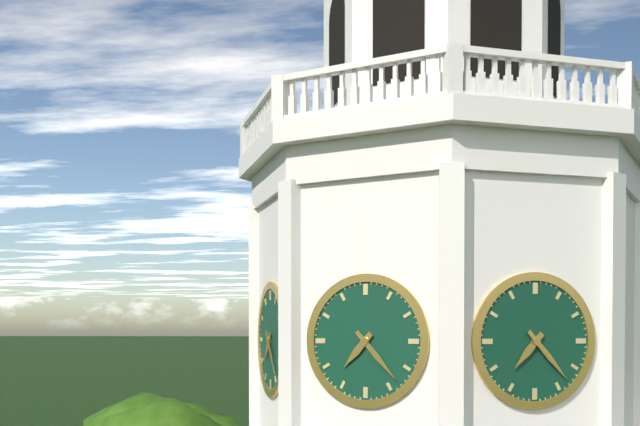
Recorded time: 7:23
